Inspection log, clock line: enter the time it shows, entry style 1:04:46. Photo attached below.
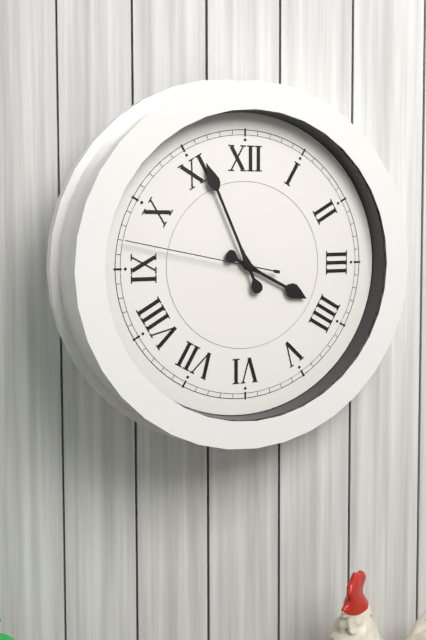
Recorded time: 3:56:47
